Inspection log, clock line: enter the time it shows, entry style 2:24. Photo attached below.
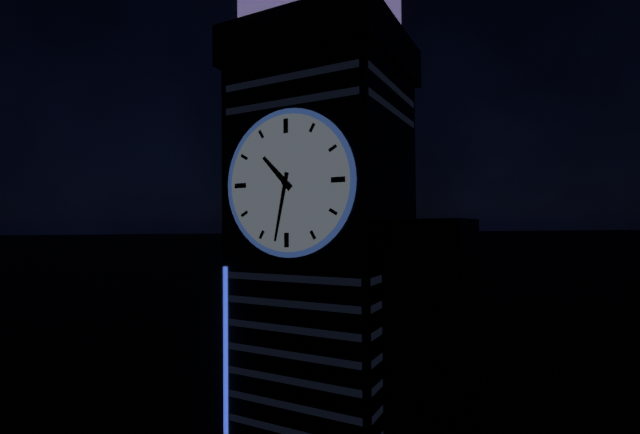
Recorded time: 10:32
